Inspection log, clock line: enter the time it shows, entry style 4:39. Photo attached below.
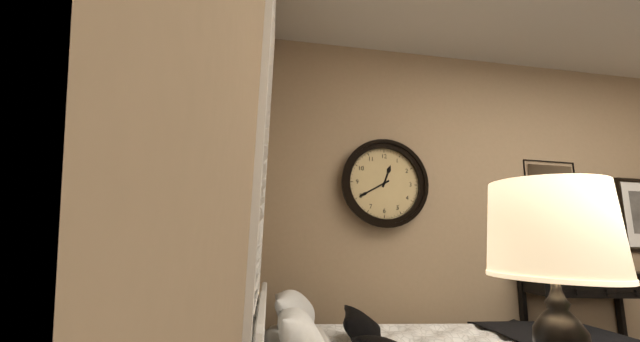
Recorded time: 12:40
